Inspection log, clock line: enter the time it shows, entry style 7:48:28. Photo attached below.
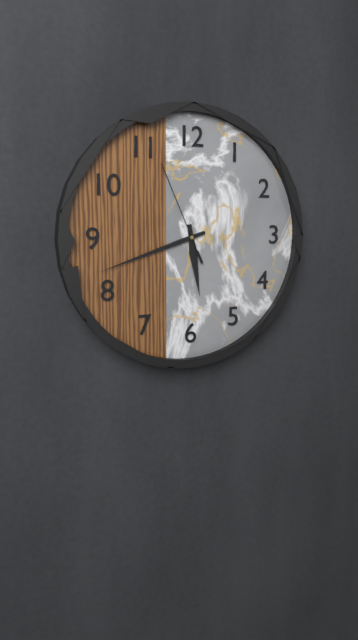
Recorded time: 5:42:56
